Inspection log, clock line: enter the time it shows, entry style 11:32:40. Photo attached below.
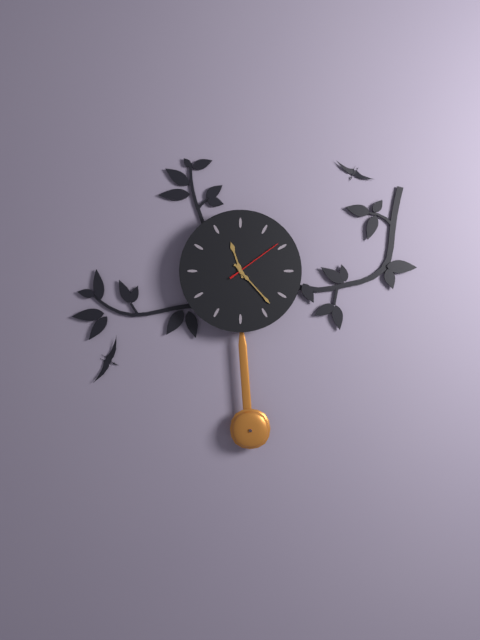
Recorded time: 11:23:09
